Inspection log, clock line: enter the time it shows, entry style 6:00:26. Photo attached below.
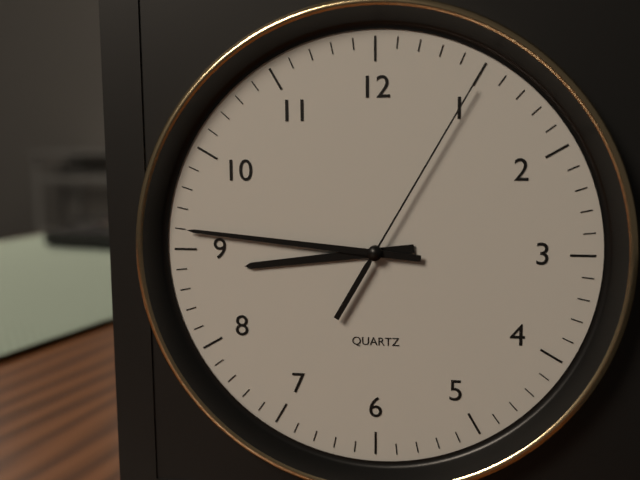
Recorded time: 8:46:05
